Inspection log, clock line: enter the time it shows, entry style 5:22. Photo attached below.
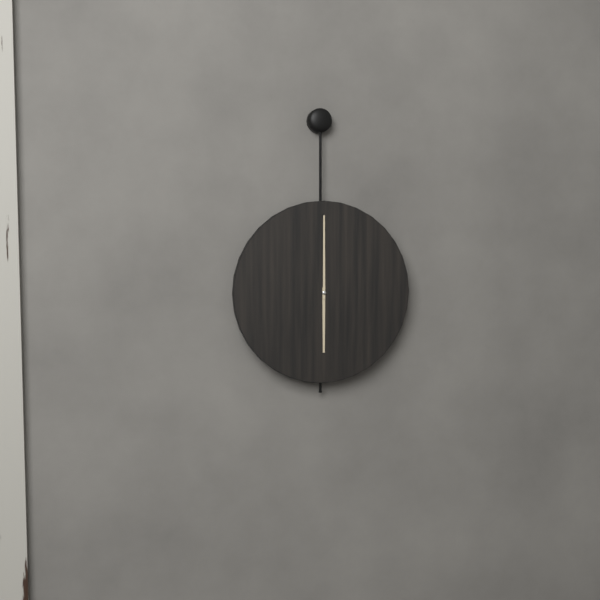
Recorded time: 6:00
